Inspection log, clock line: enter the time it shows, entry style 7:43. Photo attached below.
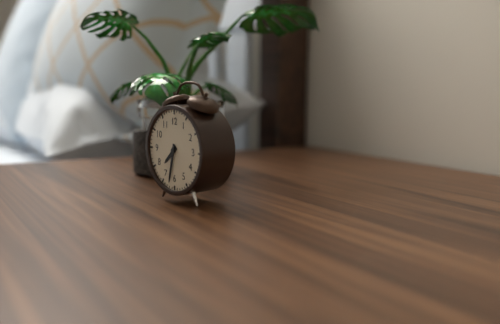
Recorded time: 7:32
